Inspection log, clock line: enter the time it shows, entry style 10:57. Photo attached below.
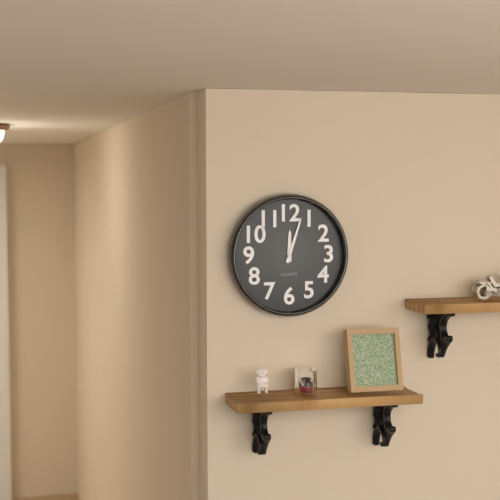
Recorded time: 12:03
